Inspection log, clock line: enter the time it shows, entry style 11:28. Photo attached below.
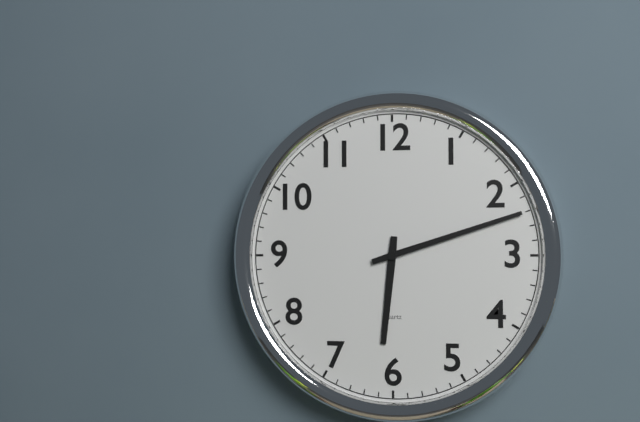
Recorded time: 6:12
